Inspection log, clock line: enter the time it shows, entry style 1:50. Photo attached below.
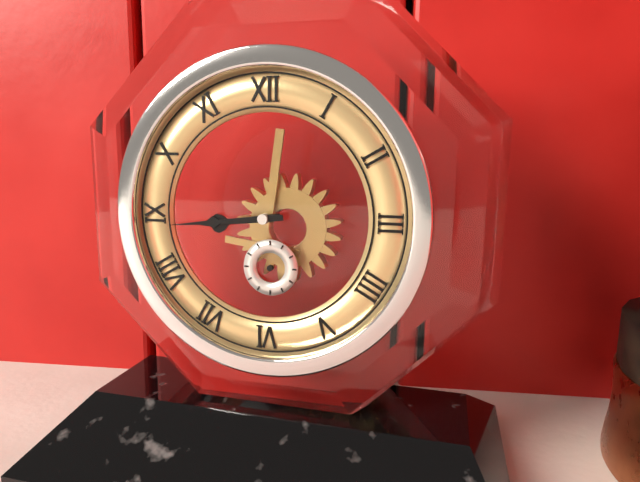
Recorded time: 8:44
